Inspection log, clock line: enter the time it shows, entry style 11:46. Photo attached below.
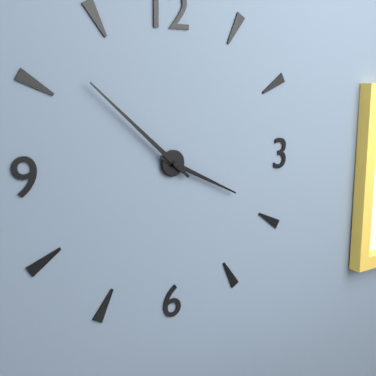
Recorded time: 3:52
